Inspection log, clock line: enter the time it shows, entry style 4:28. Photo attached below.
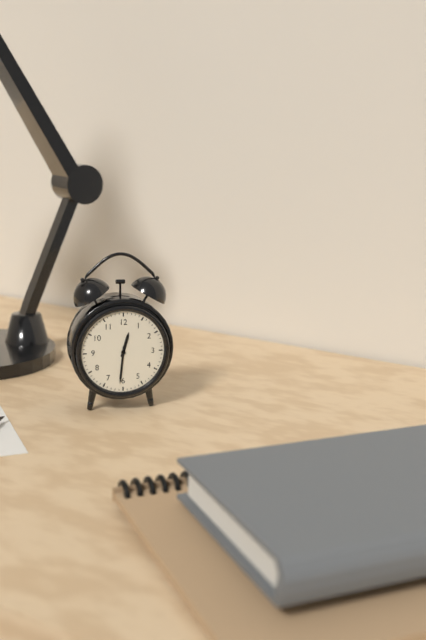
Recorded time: 12:31
